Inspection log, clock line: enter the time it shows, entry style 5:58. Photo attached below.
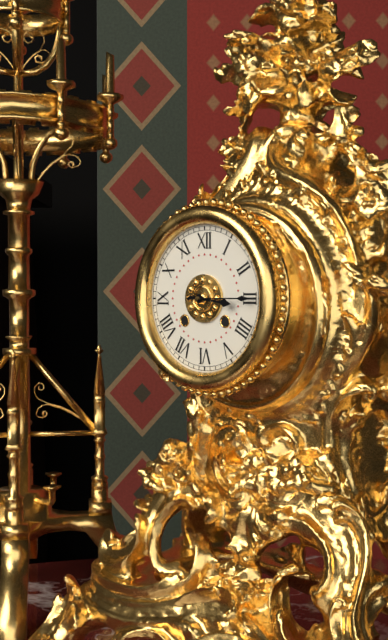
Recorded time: 3:15
